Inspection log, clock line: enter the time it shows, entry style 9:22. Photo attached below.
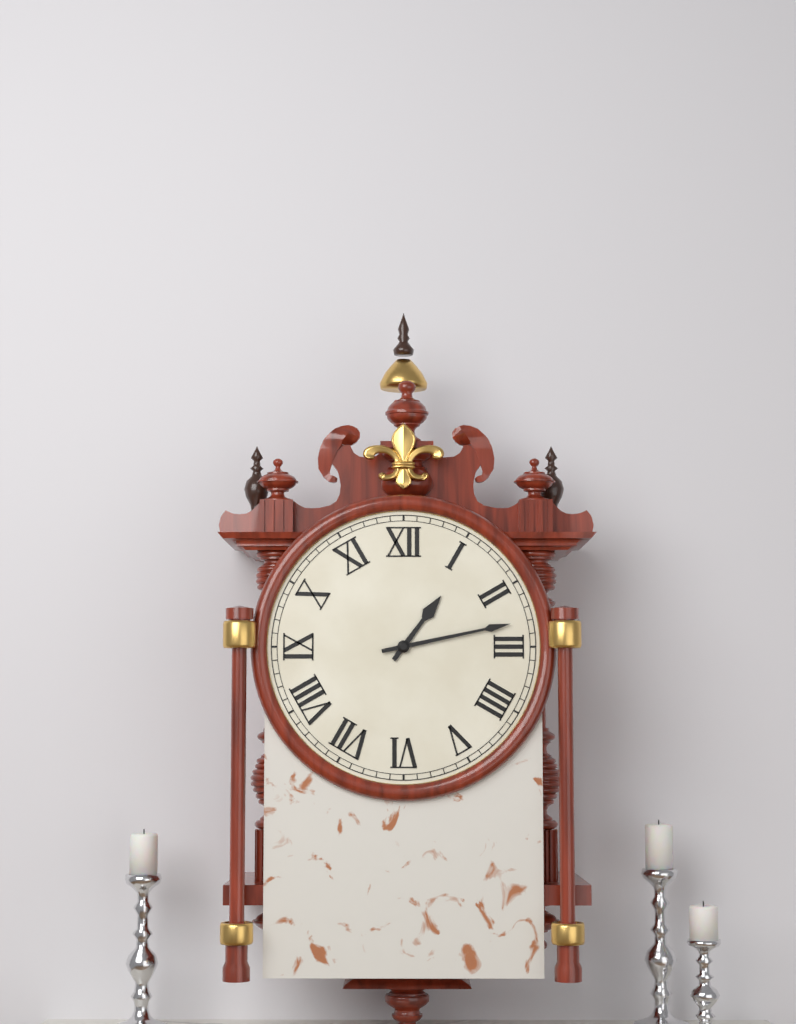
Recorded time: 1:13
